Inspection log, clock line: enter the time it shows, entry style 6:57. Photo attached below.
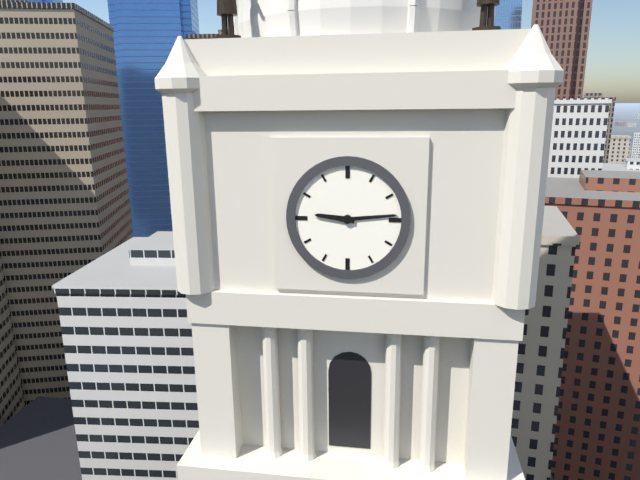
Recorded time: 9:14
